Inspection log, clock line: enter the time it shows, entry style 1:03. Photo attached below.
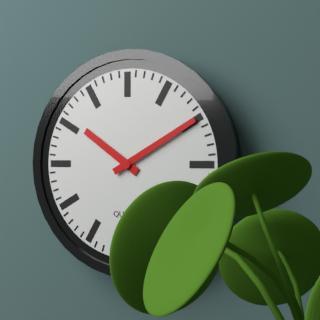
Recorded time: 10:10
